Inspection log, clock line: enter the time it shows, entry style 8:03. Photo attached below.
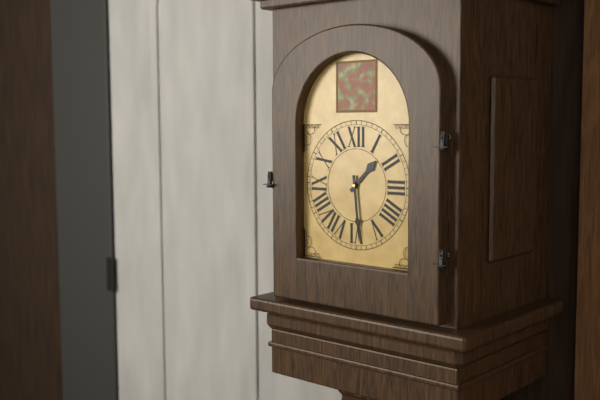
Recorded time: 1:29
